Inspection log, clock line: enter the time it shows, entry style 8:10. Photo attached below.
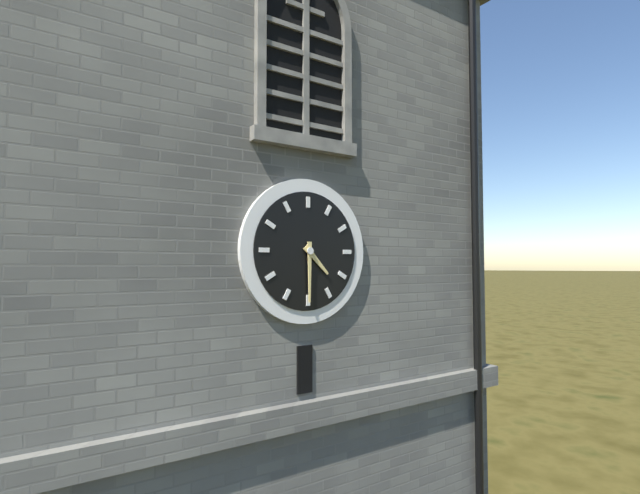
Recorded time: 4:30
